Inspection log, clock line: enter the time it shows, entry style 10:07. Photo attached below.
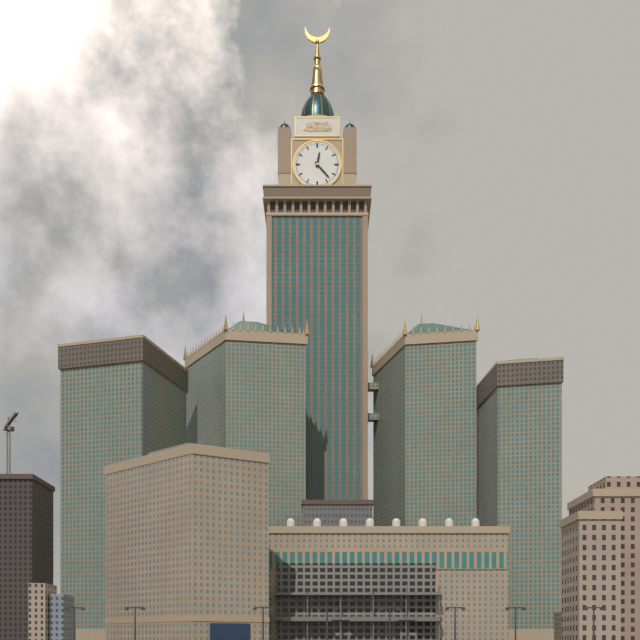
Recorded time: 12:23
